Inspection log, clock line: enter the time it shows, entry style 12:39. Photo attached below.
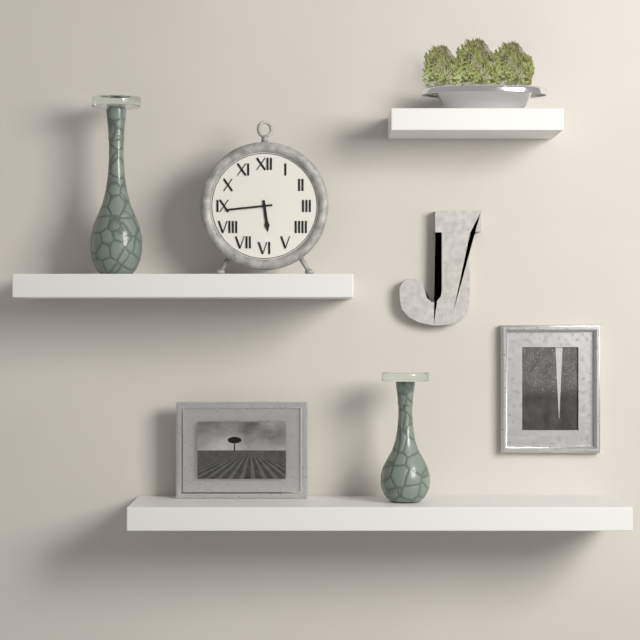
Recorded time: 5:44
